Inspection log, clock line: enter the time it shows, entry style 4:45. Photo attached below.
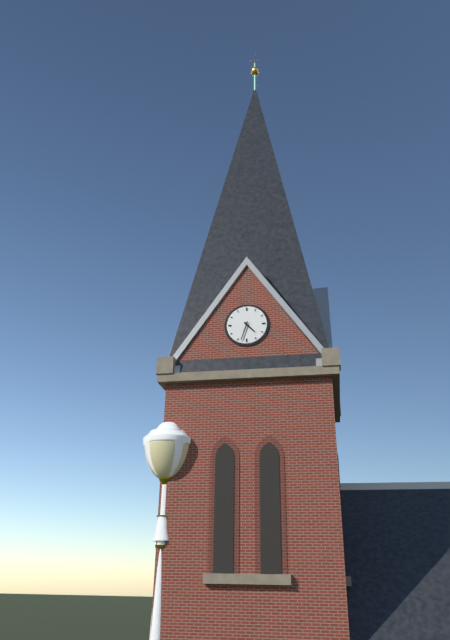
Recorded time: 4:33
